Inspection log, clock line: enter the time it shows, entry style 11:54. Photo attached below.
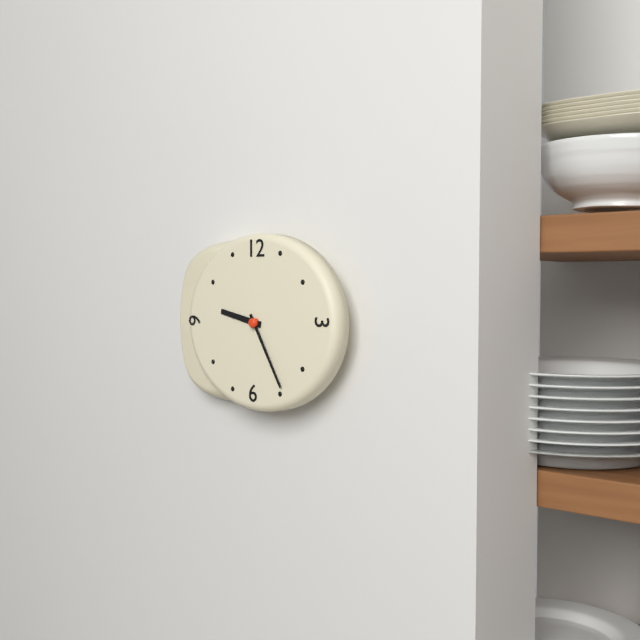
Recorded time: 9:25
